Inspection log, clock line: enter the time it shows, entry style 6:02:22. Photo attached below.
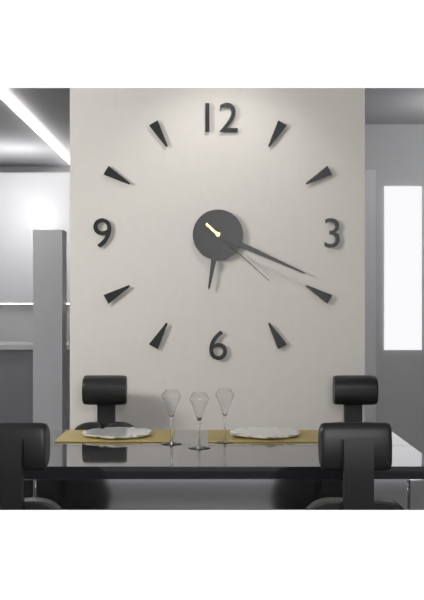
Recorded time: 6:19:22
